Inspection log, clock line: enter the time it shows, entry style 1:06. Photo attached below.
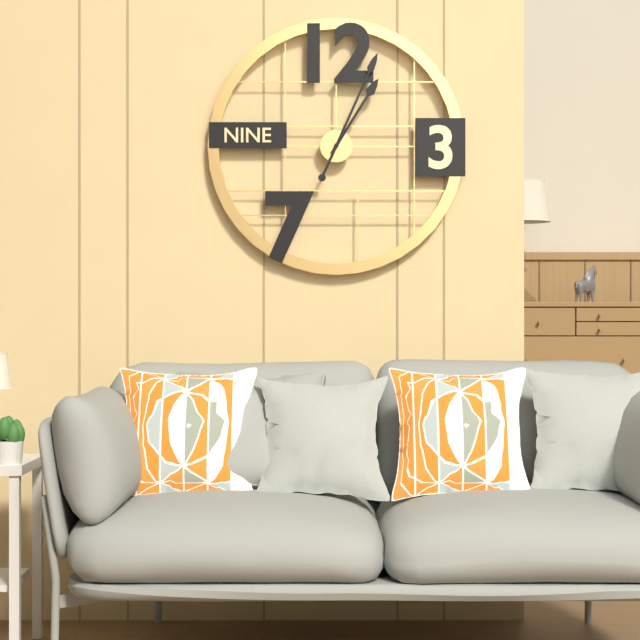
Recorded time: 1:04
